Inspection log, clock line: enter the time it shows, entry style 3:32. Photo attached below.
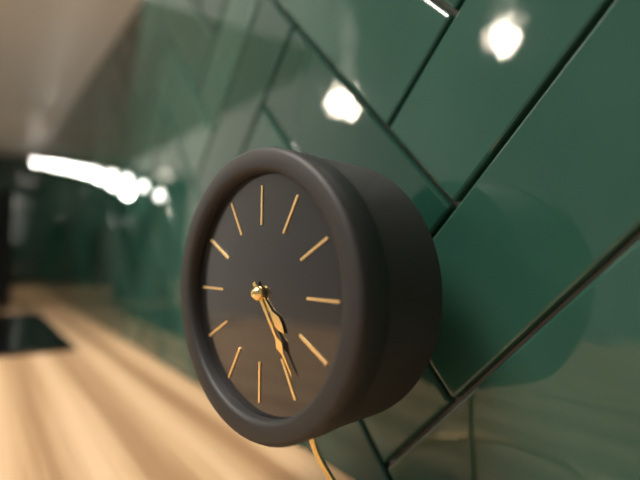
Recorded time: 4:24
